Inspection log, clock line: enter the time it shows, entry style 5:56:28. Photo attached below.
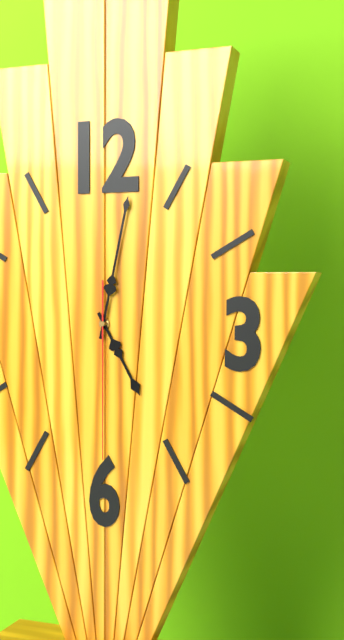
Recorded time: 5:02:30
